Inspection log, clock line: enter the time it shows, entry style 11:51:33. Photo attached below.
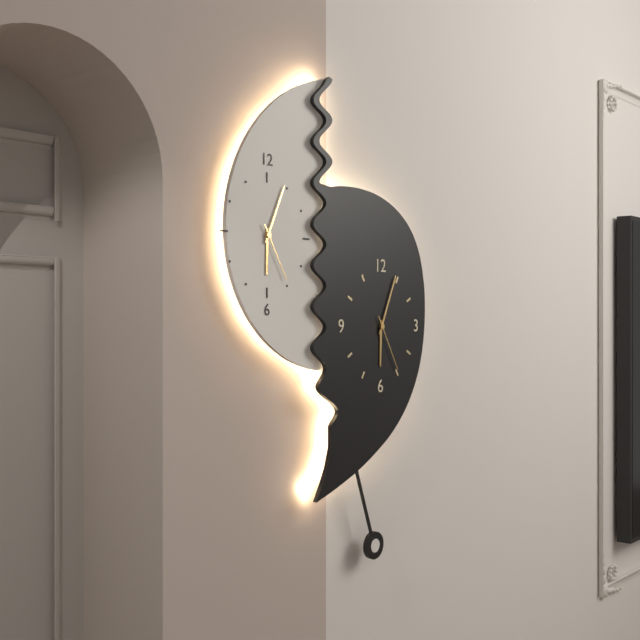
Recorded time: 6:04:25
